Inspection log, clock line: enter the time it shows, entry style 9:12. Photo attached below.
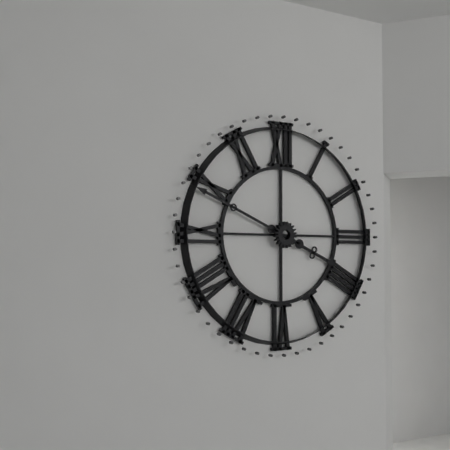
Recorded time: 3:49
